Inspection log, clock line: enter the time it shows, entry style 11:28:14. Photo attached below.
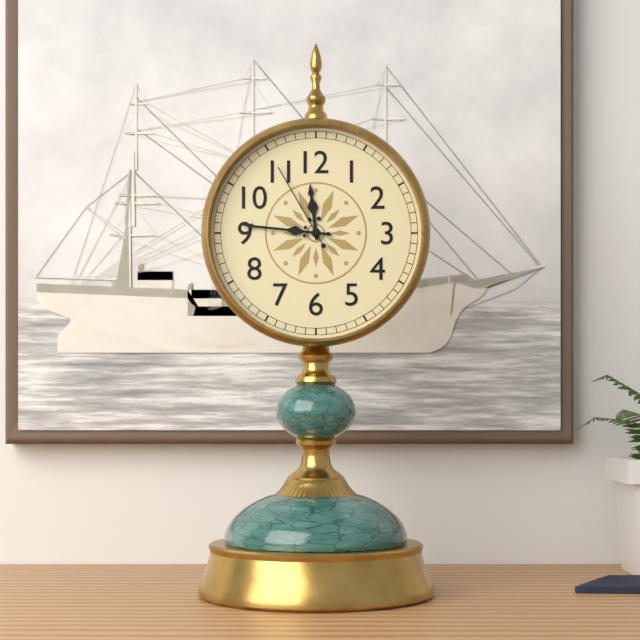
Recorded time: 11:46:55
